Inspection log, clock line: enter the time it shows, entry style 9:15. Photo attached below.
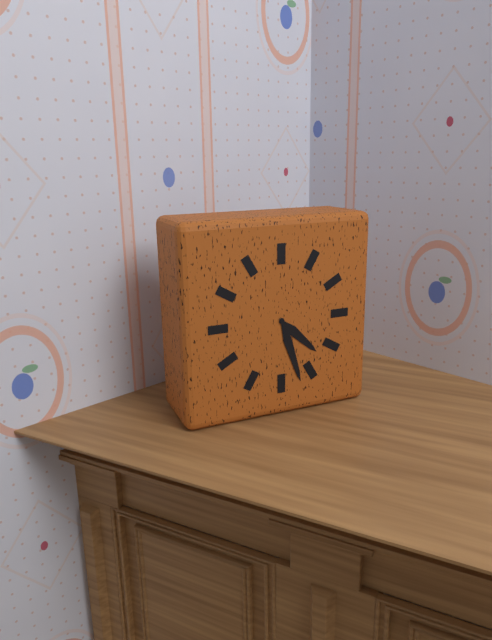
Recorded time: 4:27
